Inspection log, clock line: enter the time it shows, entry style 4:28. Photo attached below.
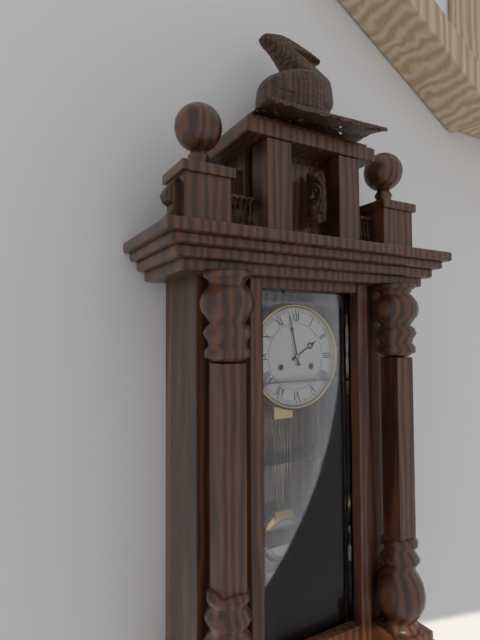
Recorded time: 1:58
